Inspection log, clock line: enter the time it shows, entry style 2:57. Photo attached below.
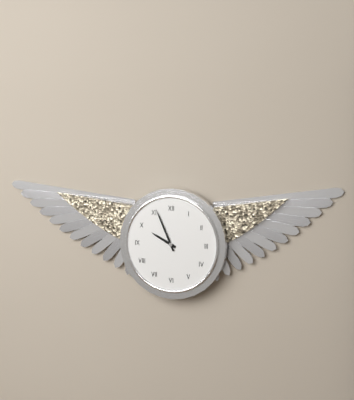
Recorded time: 9:56
